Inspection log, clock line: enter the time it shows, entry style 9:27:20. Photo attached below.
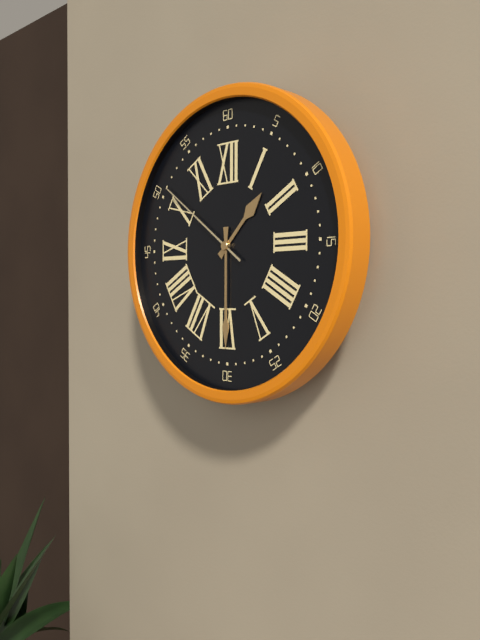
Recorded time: 1:30:51
